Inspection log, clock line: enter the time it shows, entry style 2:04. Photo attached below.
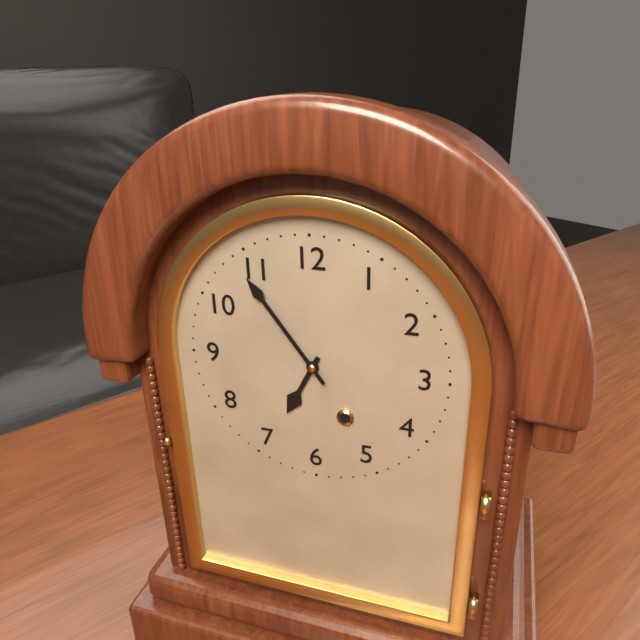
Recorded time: 6:54
